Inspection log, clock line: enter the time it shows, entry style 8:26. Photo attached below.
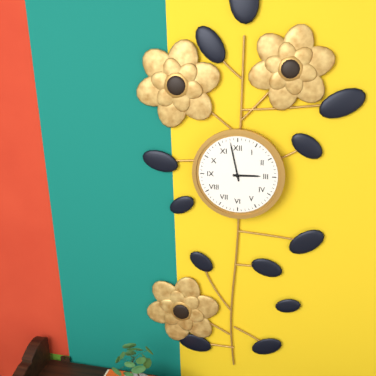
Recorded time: 2:58
